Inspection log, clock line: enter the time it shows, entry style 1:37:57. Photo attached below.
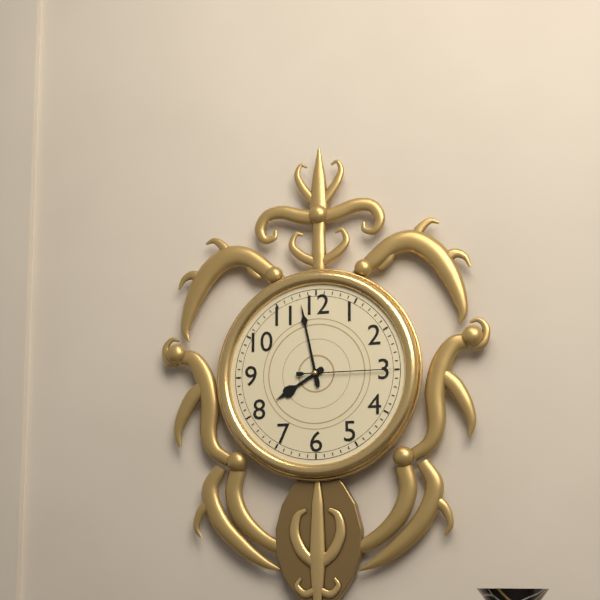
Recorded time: 7:58:15
